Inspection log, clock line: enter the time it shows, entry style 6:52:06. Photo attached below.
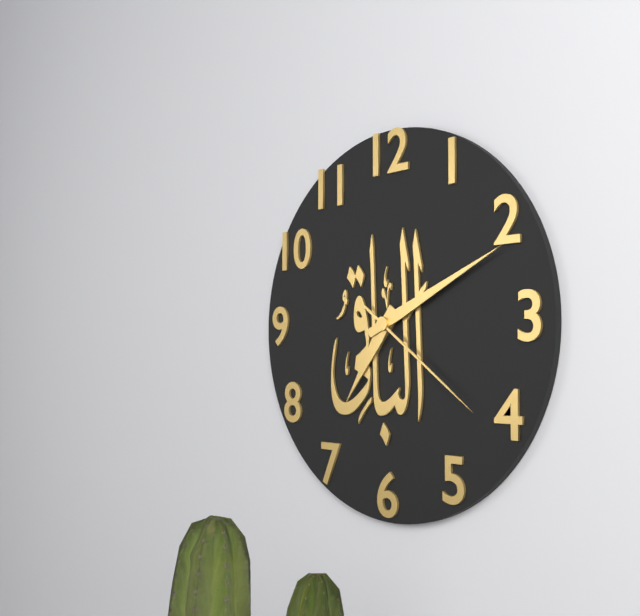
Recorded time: 7:11:21
